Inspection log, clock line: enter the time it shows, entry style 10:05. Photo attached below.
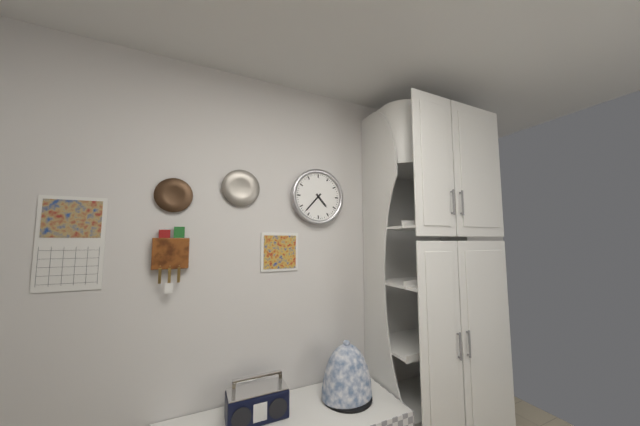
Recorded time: 4:37
